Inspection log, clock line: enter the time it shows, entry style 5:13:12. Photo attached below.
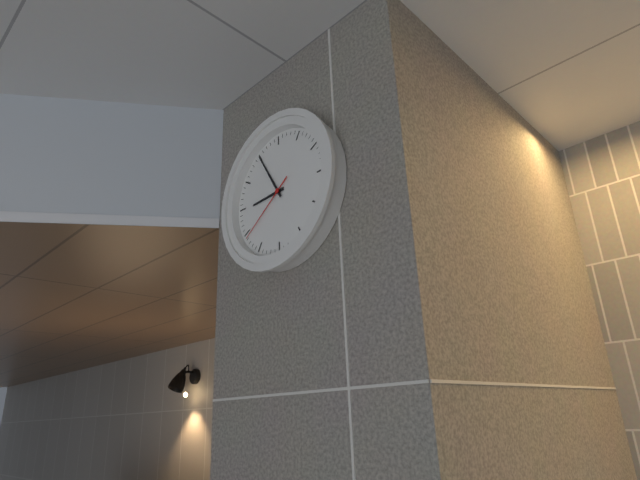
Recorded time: 8:55:39
